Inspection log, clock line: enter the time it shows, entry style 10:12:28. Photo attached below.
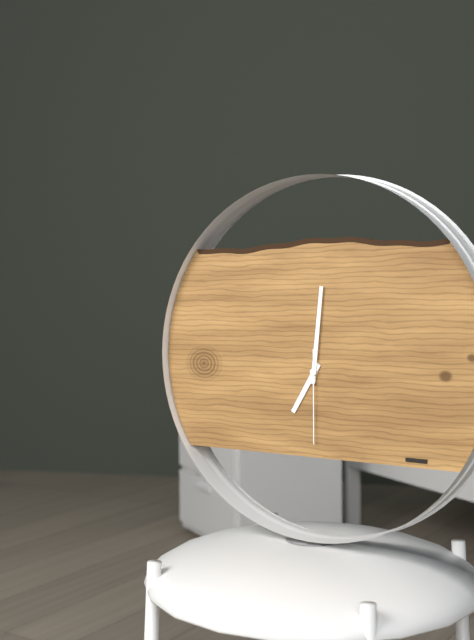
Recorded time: 7:01:30
